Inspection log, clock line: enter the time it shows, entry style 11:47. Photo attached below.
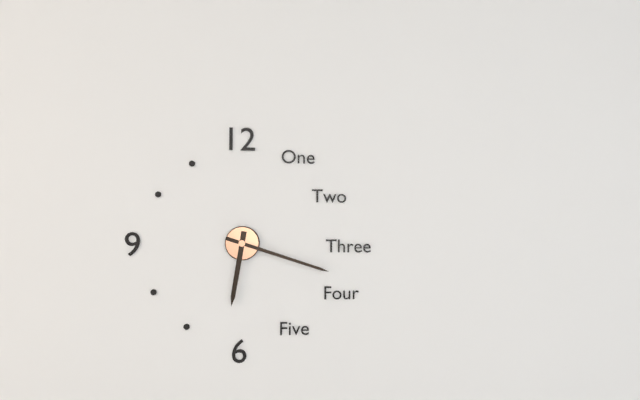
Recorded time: 6:18
